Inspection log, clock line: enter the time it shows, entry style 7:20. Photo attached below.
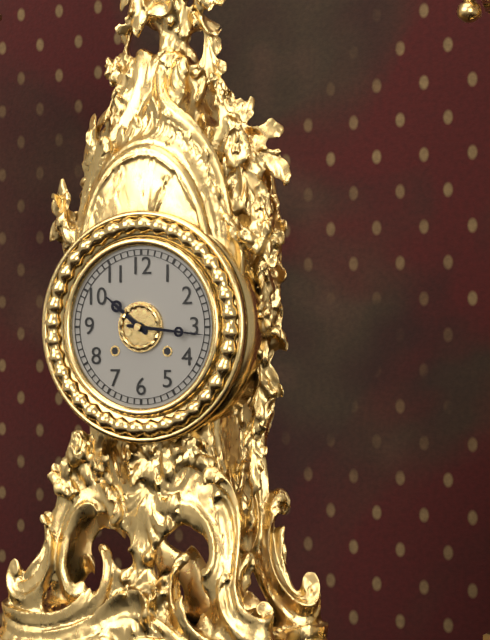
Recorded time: 10:16
